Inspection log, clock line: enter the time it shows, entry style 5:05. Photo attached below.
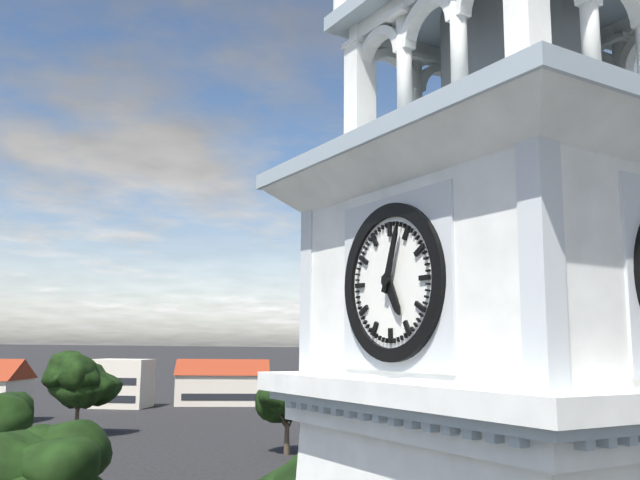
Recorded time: 5:03
